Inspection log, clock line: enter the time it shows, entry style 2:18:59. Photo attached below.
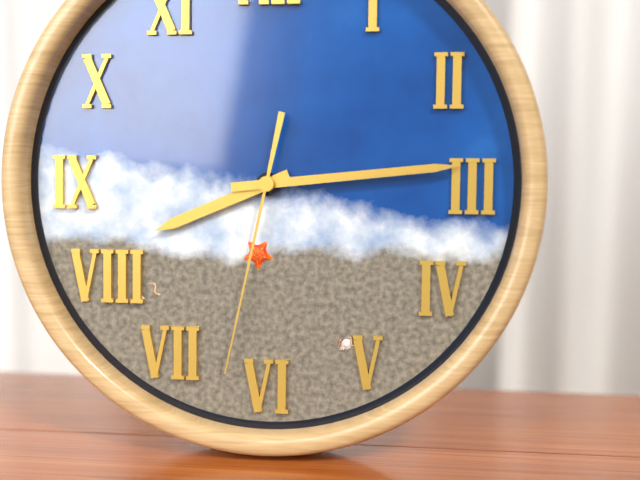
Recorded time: 8:14:32
